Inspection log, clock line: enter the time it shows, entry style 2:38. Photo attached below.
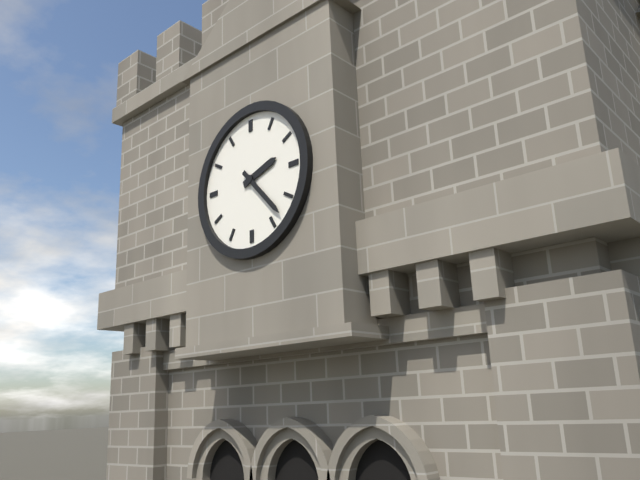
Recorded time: 2:23
